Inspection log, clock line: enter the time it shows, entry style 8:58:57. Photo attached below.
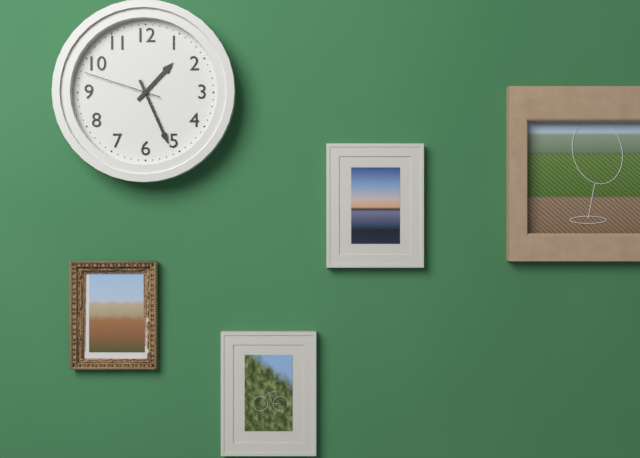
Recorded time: 1:26:48
